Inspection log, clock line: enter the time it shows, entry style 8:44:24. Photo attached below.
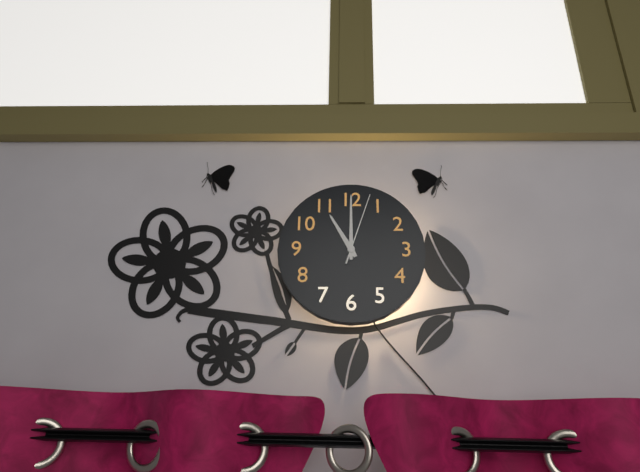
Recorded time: 11:00:03
